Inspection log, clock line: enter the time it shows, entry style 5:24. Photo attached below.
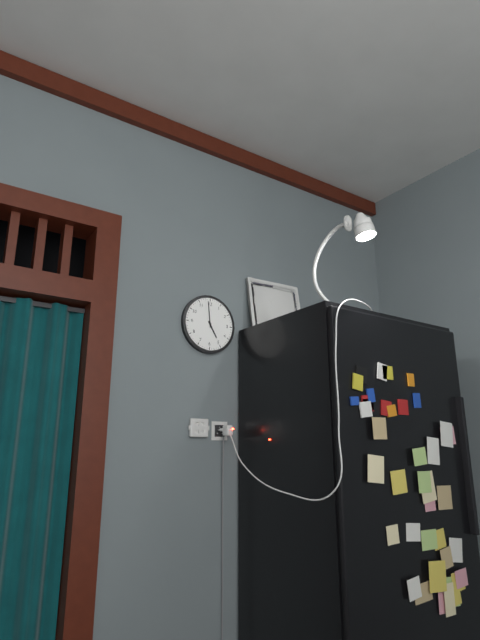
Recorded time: 4:59
